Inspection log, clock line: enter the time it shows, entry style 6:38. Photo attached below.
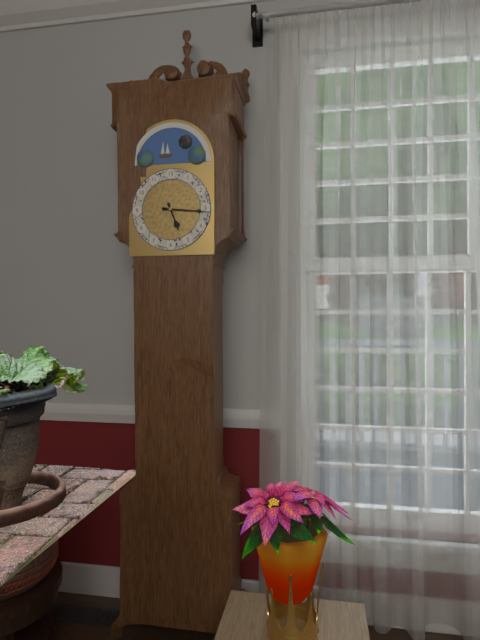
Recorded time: 5:16
